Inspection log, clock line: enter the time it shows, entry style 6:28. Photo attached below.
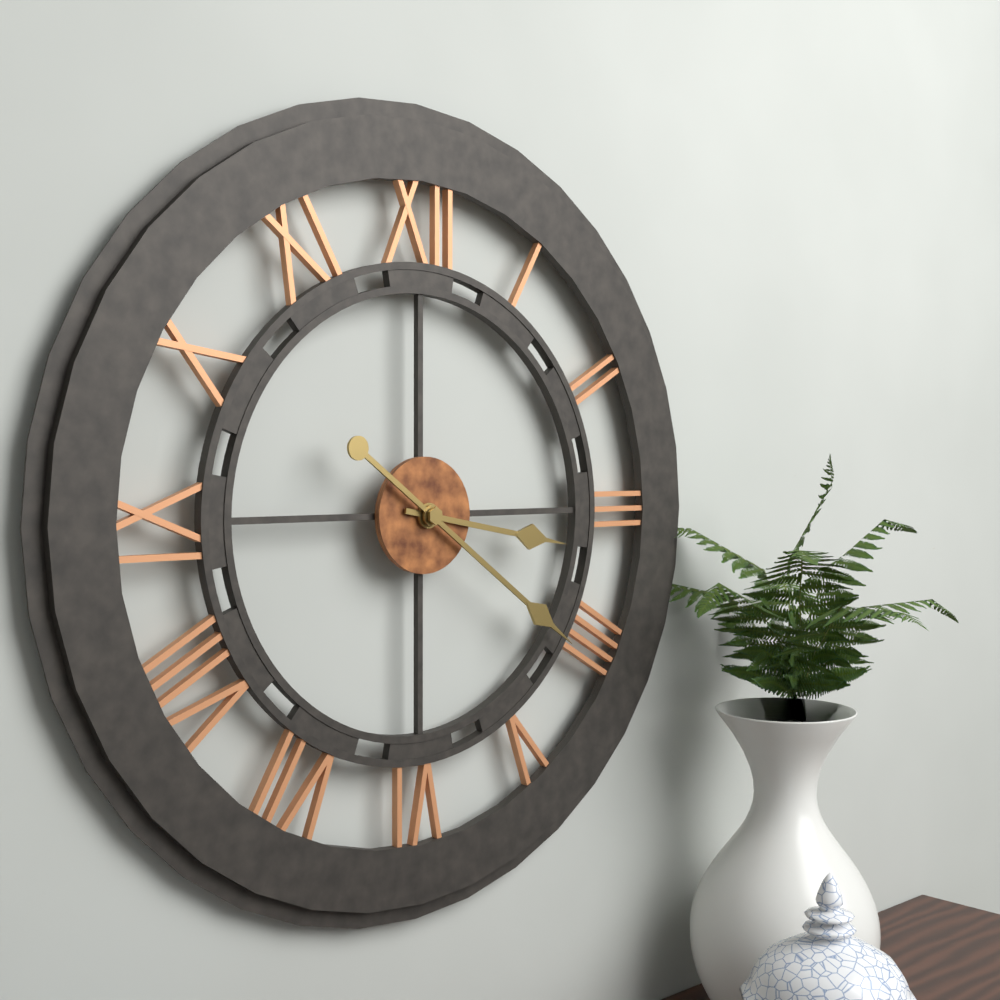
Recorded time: 3:21
